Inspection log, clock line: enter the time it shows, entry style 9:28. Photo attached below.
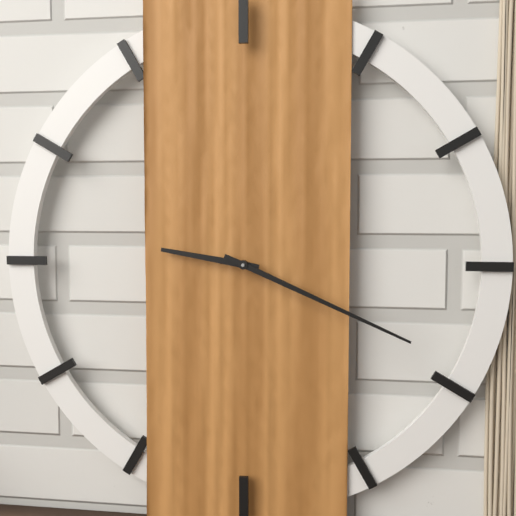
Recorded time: 9:19
